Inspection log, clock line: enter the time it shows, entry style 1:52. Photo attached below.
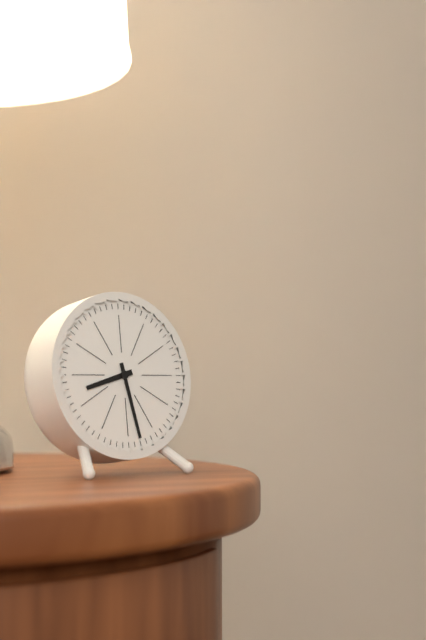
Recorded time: 8:28
